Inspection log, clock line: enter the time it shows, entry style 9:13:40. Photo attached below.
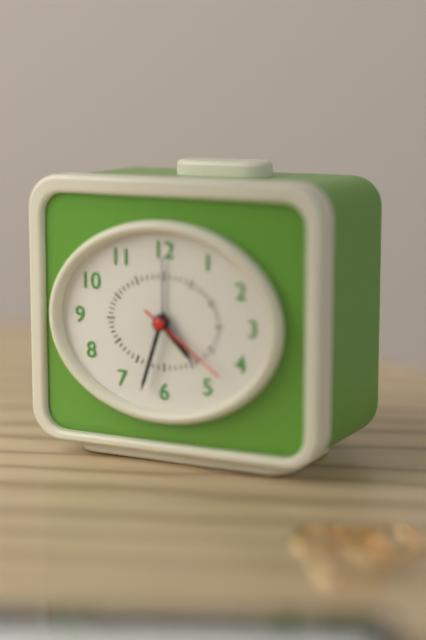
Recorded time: 4:33:21
